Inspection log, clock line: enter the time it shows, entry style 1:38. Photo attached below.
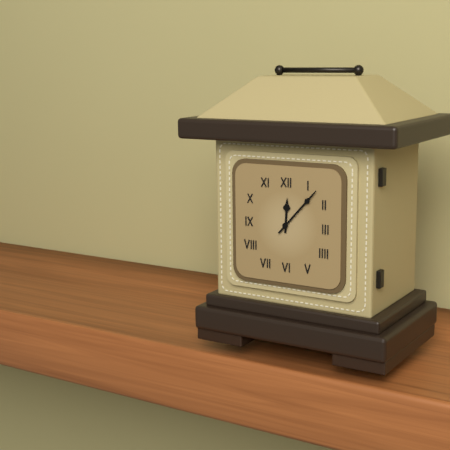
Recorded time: 12:07
